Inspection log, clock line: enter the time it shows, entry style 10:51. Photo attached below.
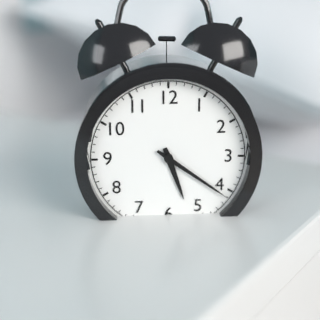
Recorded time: 5:21
